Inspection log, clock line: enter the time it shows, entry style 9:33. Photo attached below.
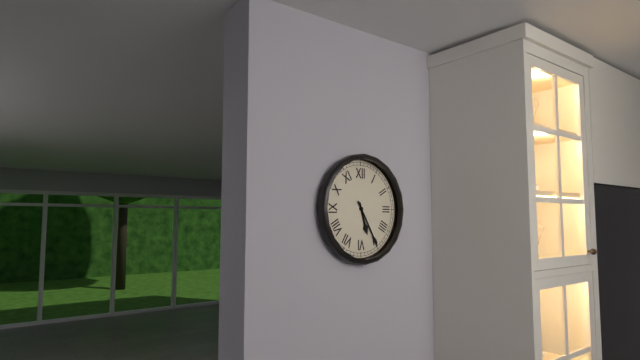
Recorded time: 5:25
